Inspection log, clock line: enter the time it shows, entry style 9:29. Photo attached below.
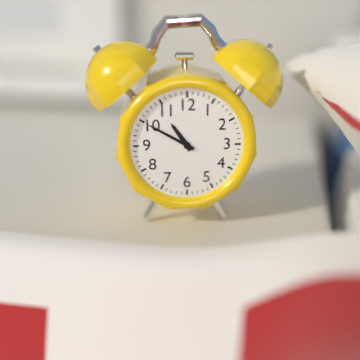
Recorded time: 10:50
